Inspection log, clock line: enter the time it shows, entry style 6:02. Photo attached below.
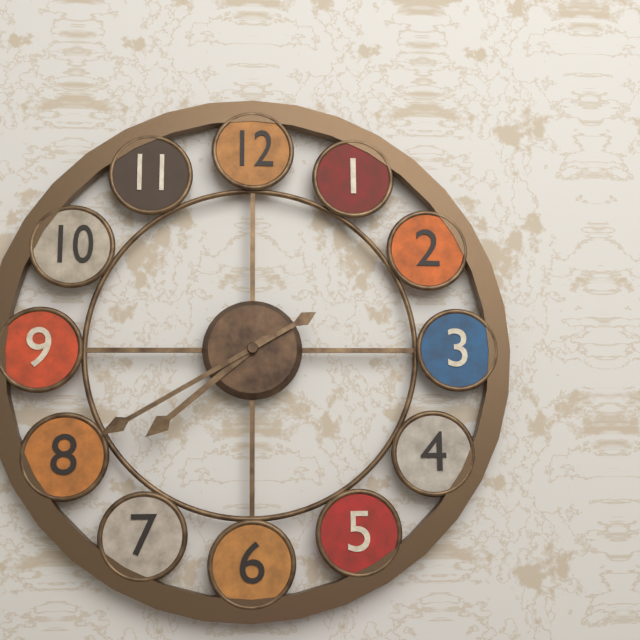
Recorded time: 7:40
